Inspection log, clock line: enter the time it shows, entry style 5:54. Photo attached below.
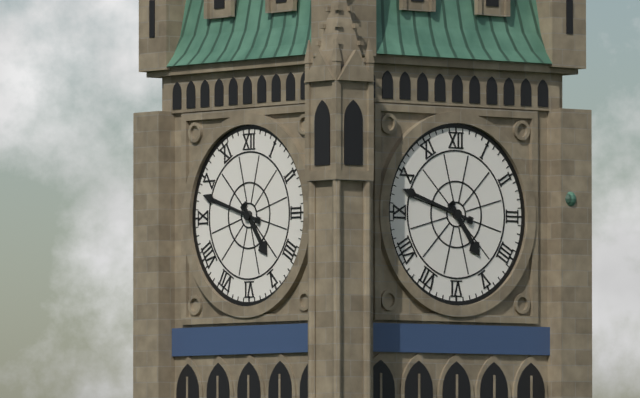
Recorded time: 4:48
